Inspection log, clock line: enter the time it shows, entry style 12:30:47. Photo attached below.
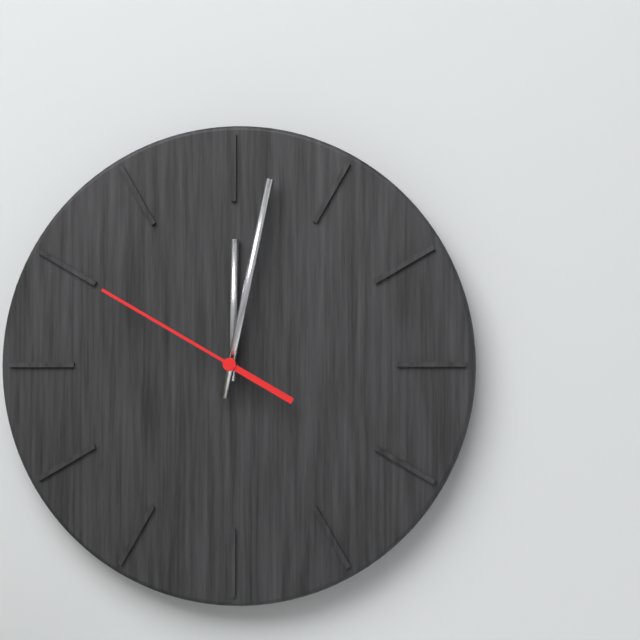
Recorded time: 12:02:50
